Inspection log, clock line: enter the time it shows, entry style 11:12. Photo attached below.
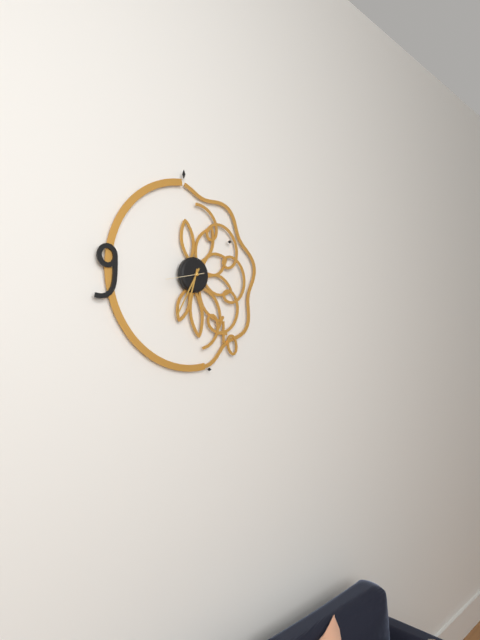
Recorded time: 6:35
